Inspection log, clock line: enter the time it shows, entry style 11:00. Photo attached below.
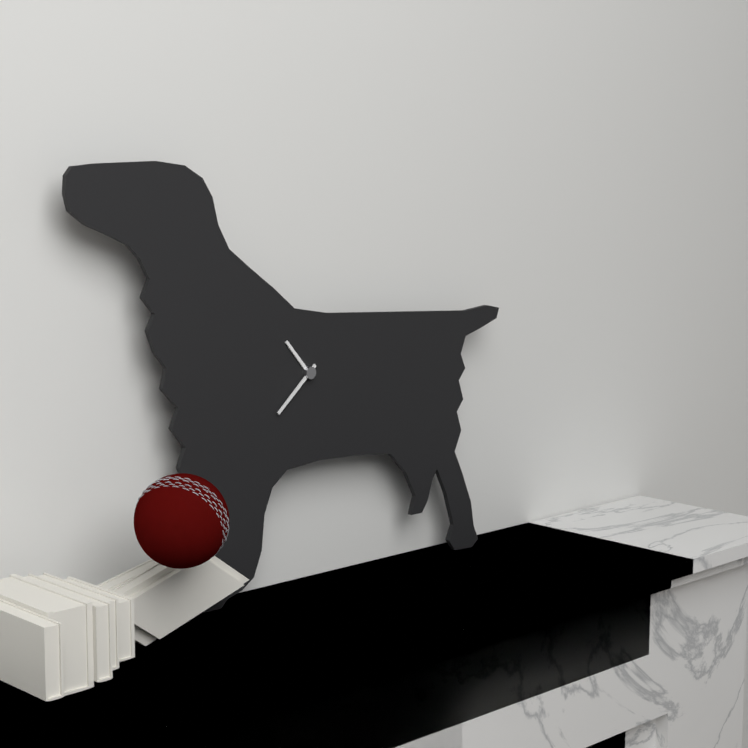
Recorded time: 10:38
